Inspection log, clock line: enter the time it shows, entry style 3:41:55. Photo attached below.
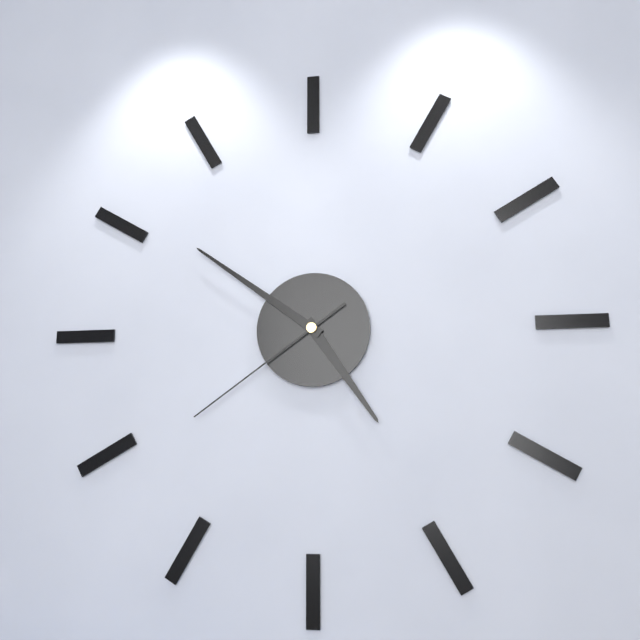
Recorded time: 4:51:39
